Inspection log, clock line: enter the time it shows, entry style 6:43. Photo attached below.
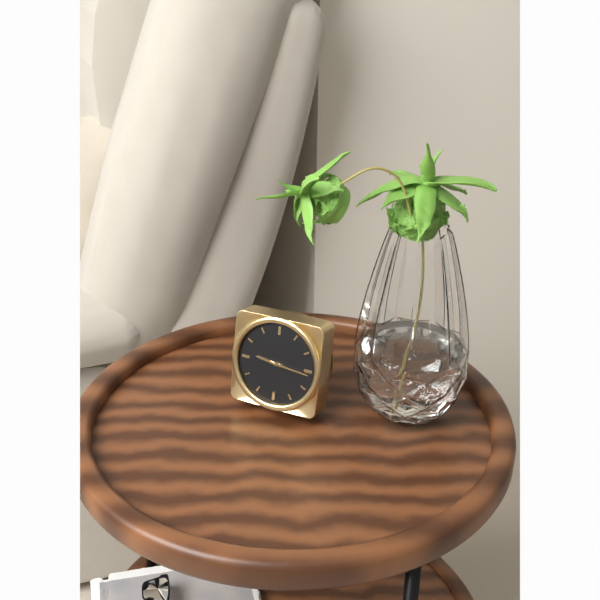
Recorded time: 9:16
